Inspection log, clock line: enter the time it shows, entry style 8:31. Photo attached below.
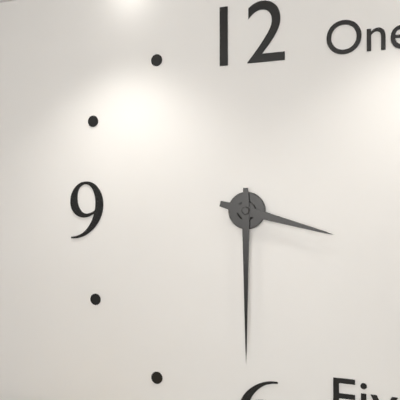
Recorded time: 3:30
